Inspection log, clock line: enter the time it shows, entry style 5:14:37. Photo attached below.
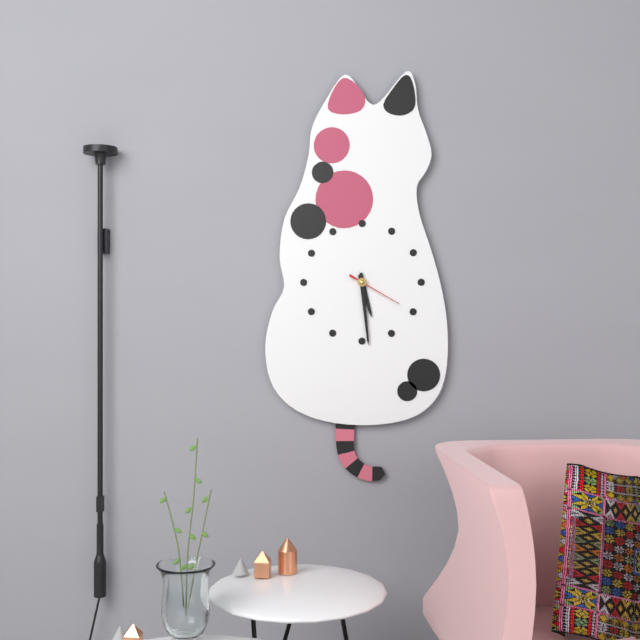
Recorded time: 5:29:20
